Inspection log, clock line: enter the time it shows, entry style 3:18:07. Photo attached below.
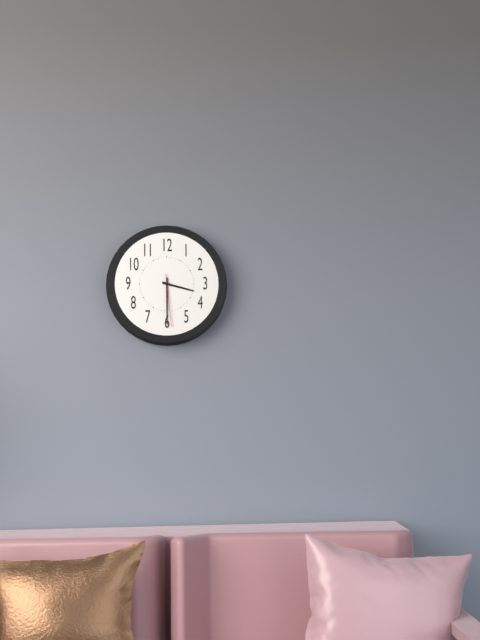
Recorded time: 3:30:29
